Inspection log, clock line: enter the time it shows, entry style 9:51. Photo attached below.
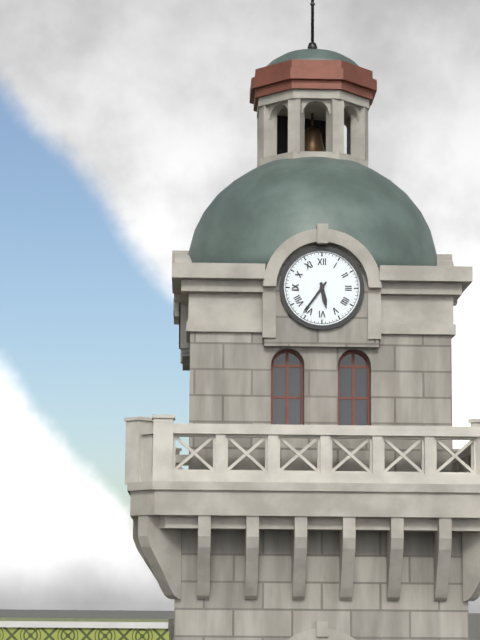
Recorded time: 5:36
